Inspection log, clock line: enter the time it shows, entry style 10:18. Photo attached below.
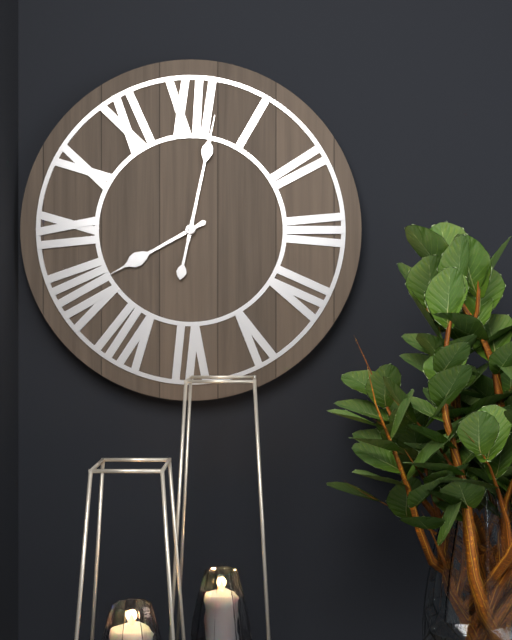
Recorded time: 8:02
